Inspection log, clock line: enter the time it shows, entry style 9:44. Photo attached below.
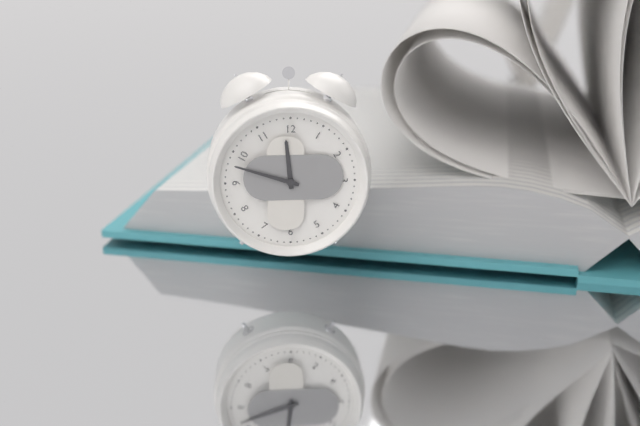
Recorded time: 11:48
